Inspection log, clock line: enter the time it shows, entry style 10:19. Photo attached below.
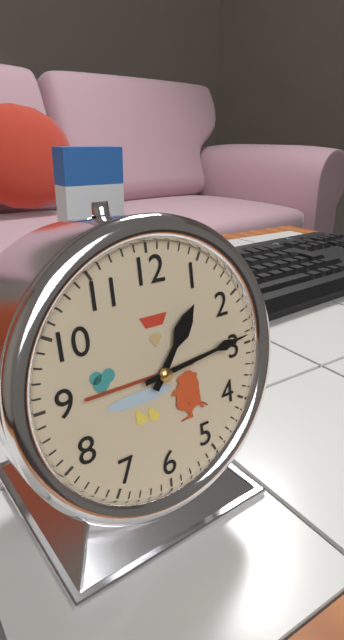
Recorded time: 1:14
